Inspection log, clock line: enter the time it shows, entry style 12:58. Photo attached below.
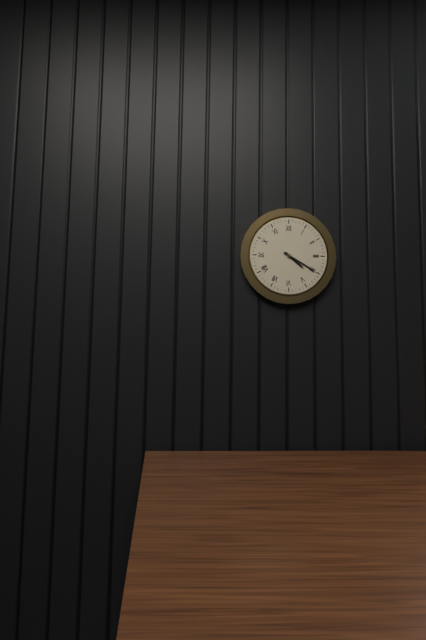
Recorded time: 4:20
